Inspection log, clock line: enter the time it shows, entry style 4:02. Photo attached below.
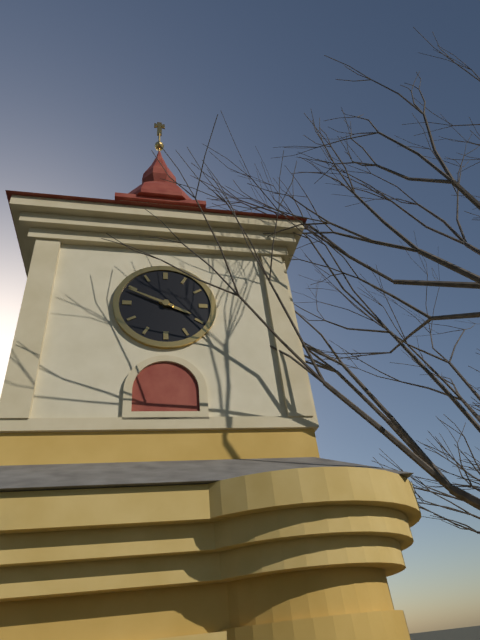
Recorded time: 3:49
